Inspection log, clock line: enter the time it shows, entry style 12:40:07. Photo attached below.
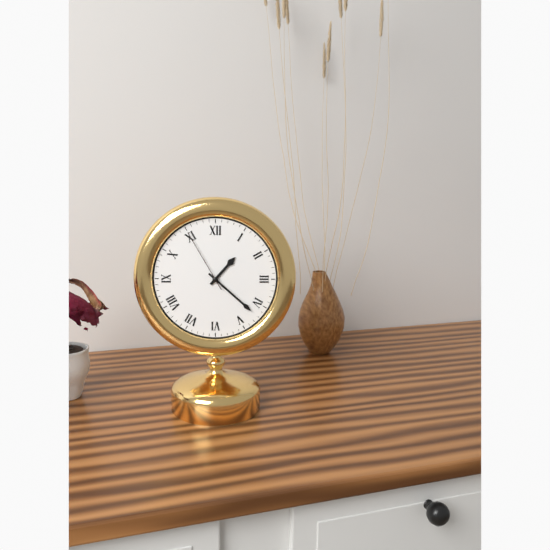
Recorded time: 1:22:55
